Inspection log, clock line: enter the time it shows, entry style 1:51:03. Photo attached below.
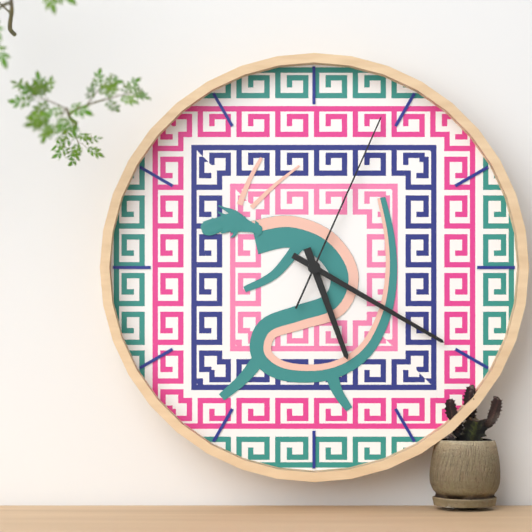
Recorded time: 5:20:04
